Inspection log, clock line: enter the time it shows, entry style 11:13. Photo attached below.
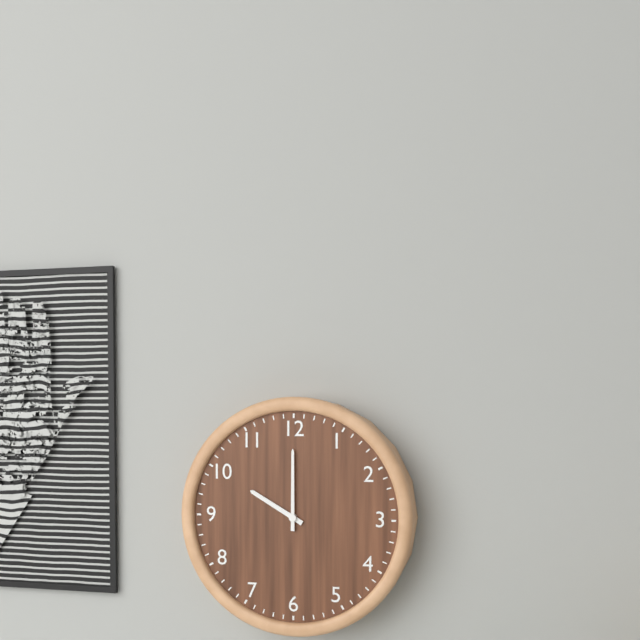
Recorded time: 10:00
